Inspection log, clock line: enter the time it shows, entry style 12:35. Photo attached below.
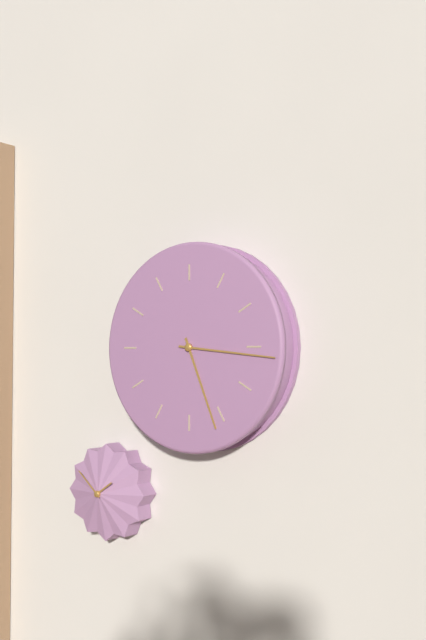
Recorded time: 5:16
